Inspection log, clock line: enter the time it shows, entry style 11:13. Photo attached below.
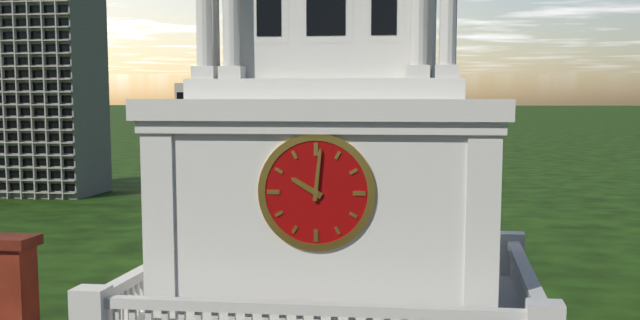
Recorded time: 10:01
